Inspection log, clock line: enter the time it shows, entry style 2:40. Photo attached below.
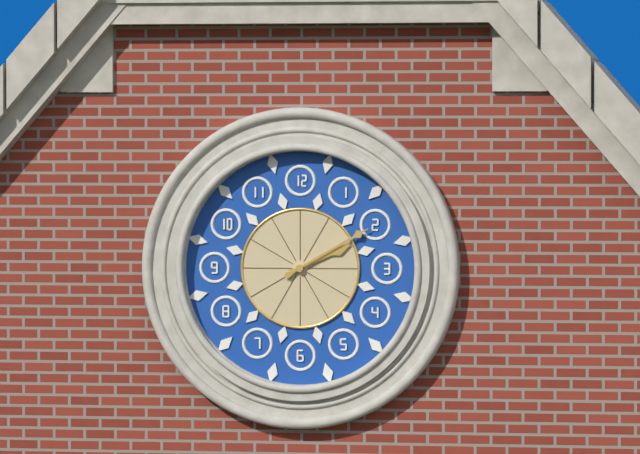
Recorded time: 2:10
